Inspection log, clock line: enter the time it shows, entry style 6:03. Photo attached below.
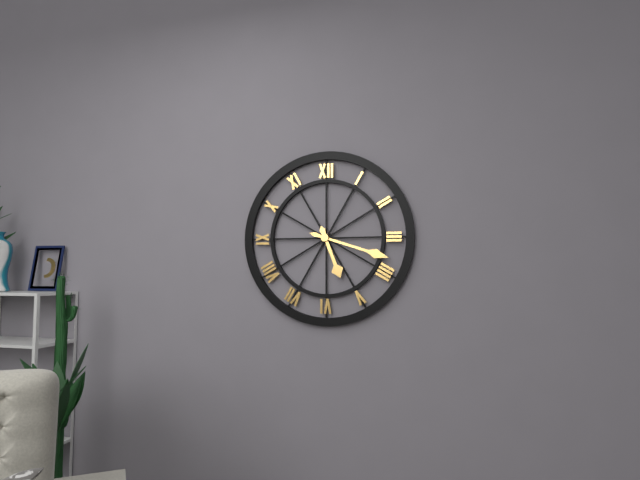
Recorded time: 5:18
